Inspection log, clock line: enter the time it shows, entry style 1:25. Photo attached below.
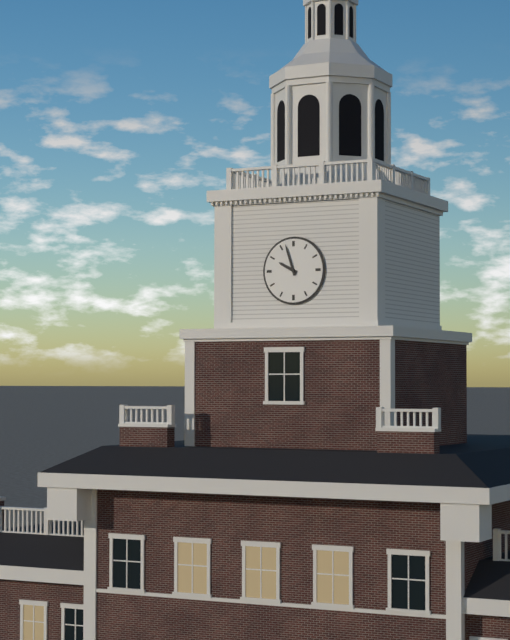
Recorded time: 9:57
